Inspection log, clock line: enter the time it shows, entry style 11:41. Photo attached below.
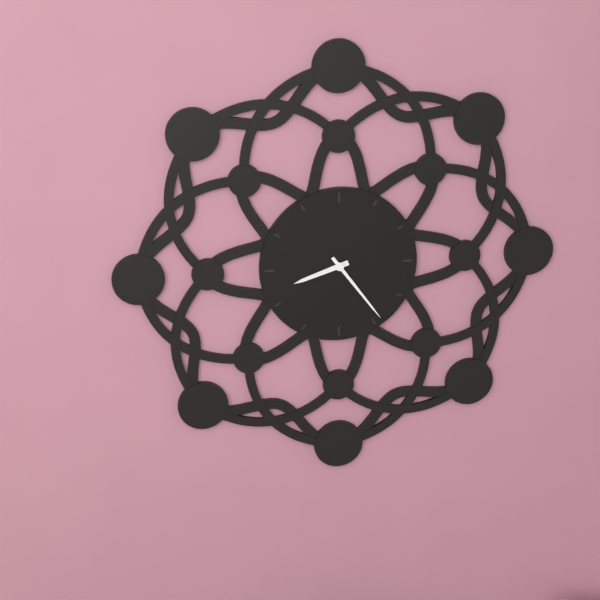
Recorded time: 8:24
